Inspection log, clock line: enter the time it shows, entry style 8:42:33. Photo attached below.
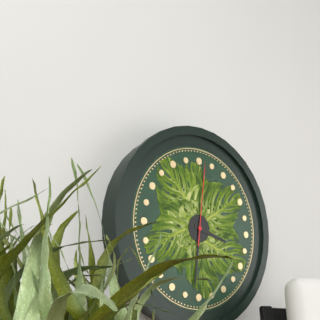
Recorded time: 3:31:01
